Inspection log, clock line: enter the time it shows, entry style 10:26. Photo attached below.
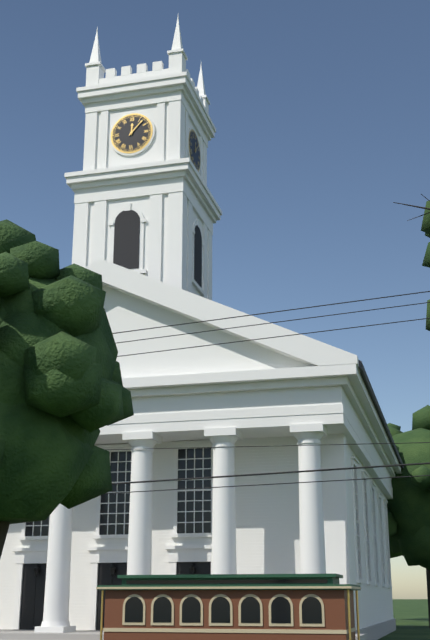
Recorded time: 12:07
